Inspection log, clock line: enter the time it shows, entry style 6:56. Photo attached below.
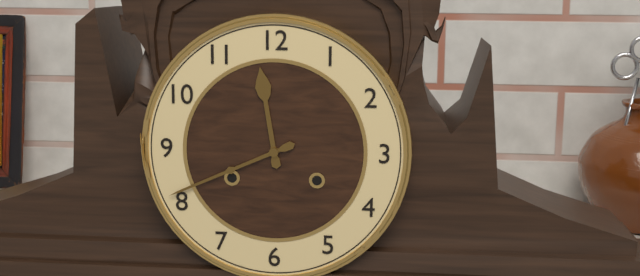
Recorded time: 11:41
